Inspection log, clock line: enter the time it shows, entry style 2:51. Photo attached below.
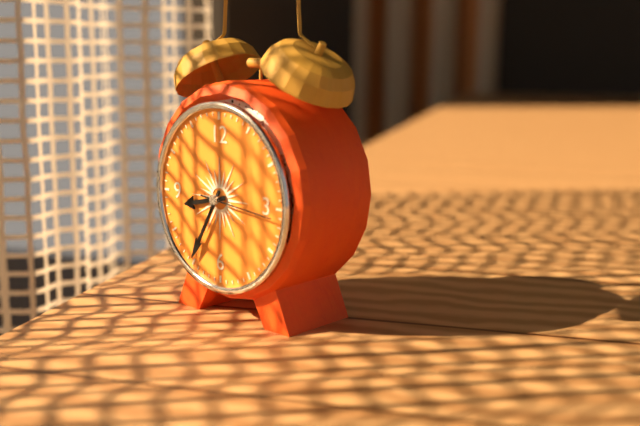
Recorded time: 8:35
